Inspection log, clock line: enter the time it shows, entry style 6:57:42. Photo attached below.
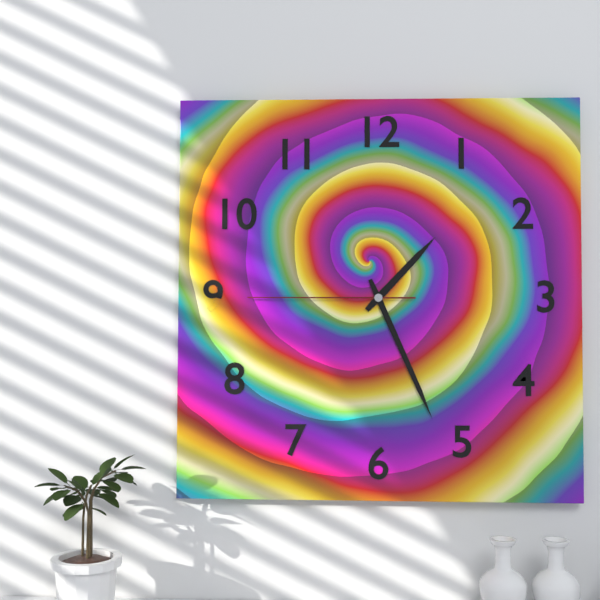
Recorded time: 1:26:45
